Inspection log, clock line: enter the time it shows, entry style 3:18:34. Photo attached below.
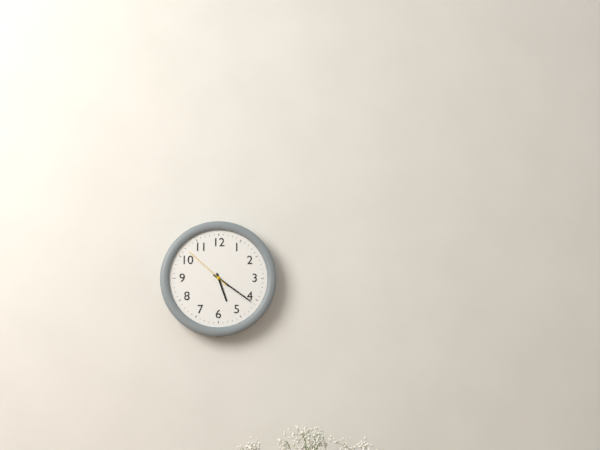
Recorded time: 5:21:52
